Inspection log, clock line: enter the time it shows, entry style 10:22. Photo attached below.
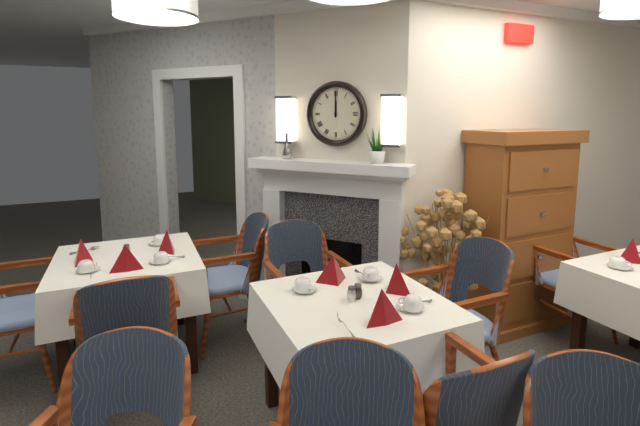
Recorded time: 12:00
